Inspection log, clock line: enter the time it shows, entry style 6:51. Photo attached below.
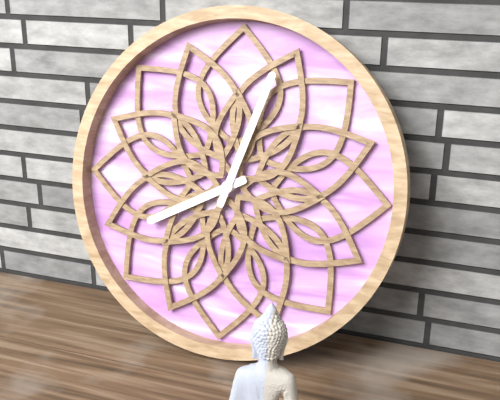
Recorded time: 8:03
